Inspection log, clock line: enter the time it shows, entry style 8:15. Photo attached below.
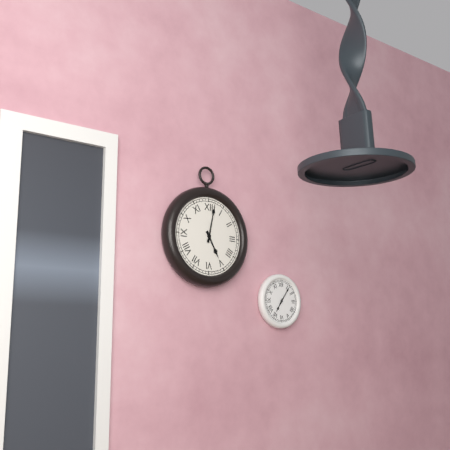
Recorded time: 5:02
